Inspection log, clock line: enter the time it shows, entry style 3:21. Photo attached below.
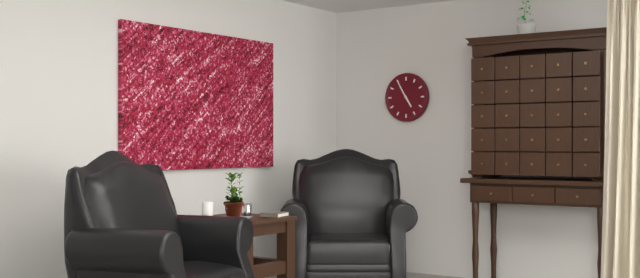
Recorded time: 4:55
